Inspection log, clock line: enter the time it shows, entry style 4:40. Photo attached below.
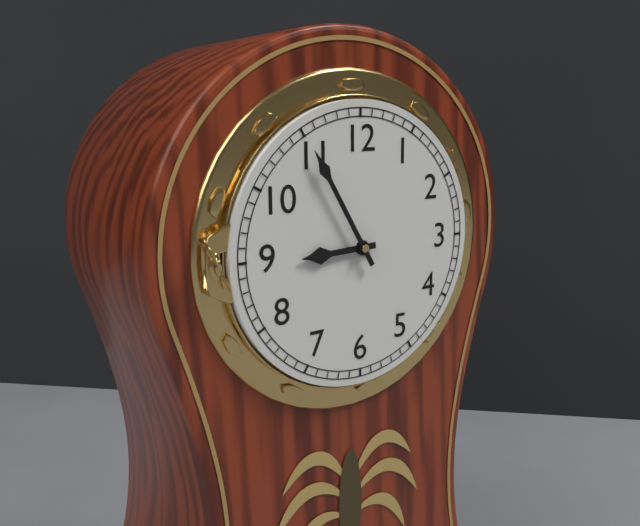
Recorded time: 8:55
